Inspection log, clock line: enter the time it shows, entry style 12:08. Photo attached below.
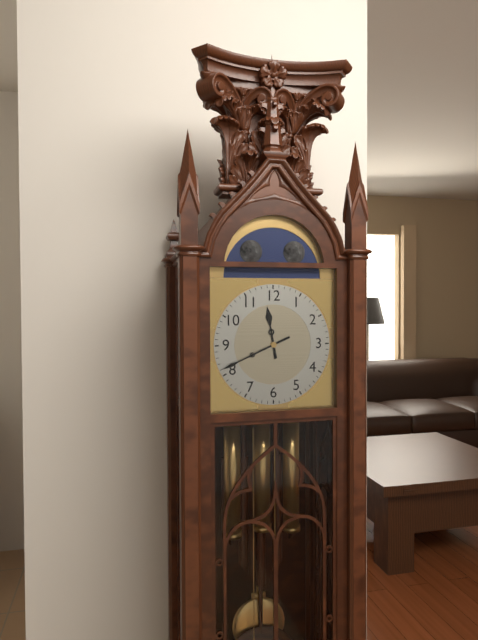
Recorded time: 11:41
